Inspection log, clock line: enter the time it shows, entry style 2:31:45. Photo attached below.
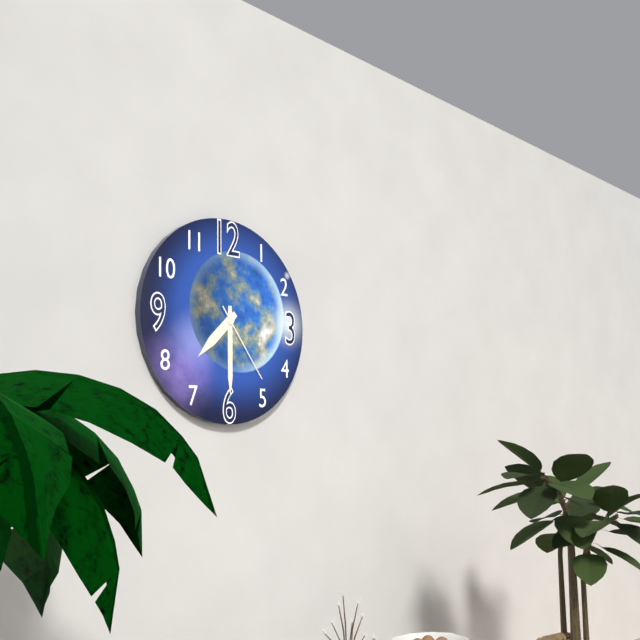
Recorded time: 7:30:24
